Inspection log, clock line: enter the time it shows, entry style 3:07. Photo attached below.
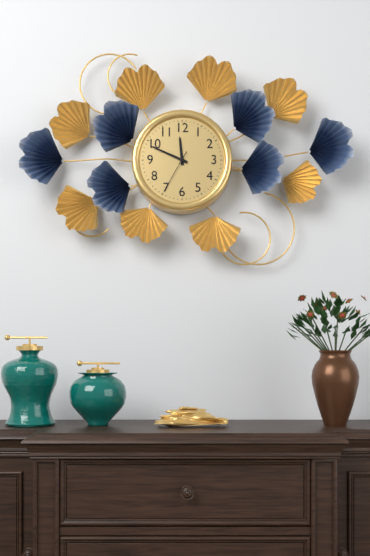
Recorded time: 11:49
